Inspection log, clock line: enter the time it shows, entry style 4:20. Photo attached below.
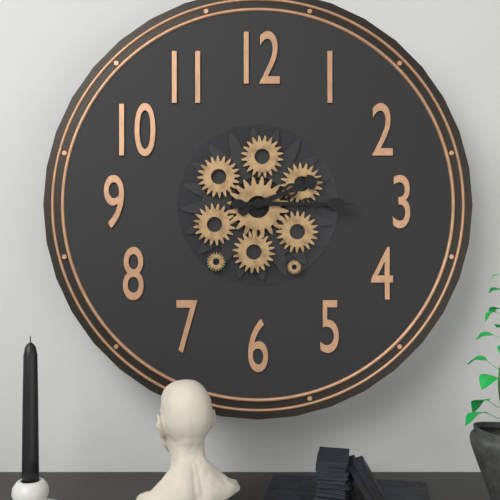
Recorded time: 2:15
